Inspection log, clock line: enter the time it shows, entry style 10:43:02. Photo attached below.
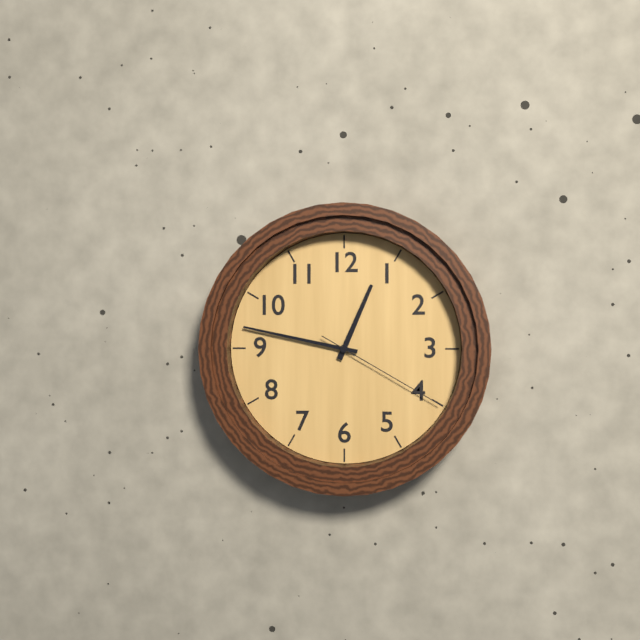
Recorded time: 12:47:20
